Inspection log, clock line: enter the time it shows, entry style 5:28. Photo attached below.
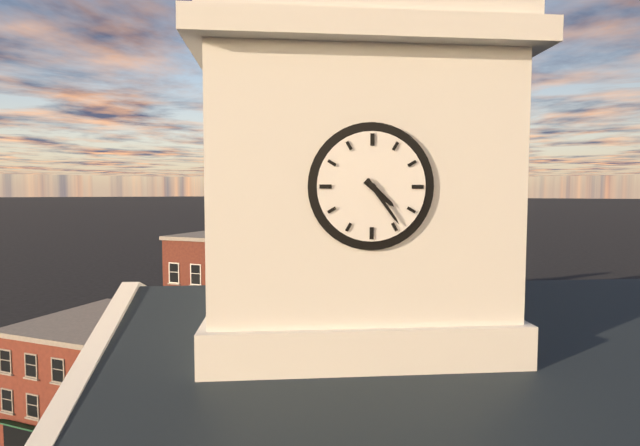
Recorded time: 4:24
